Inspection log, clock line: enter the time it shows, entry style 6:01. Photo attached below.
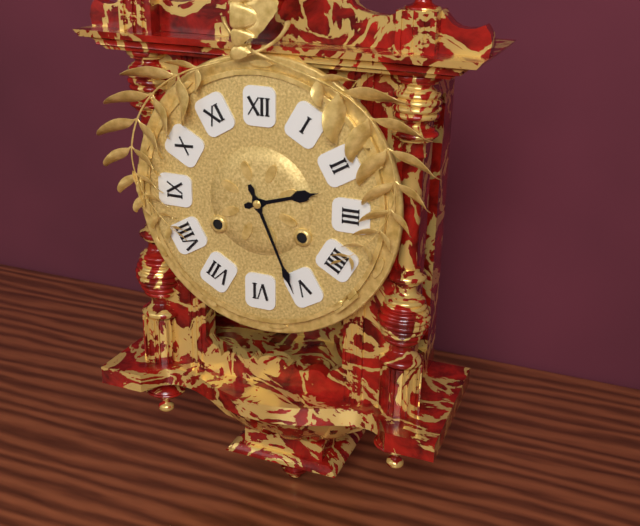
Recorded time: 2:26
